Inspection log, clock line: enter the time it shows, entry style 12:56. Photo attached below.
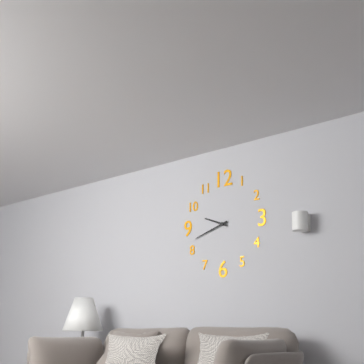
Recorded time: 9:42
